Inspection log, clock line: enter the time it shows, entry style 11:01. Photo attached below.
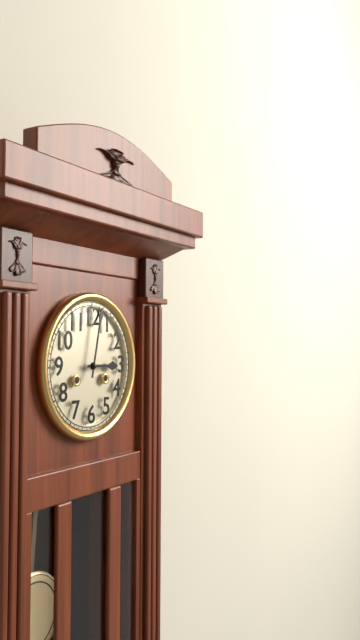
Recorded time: 3:02
